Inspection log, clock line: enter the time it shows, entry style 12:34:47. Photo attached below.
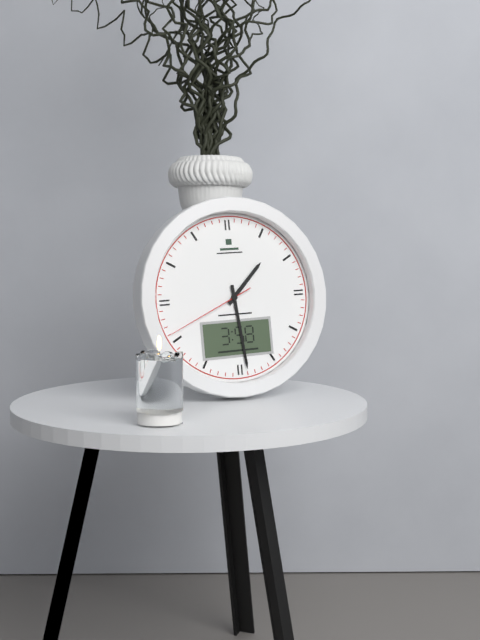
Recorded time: 1:29:41
